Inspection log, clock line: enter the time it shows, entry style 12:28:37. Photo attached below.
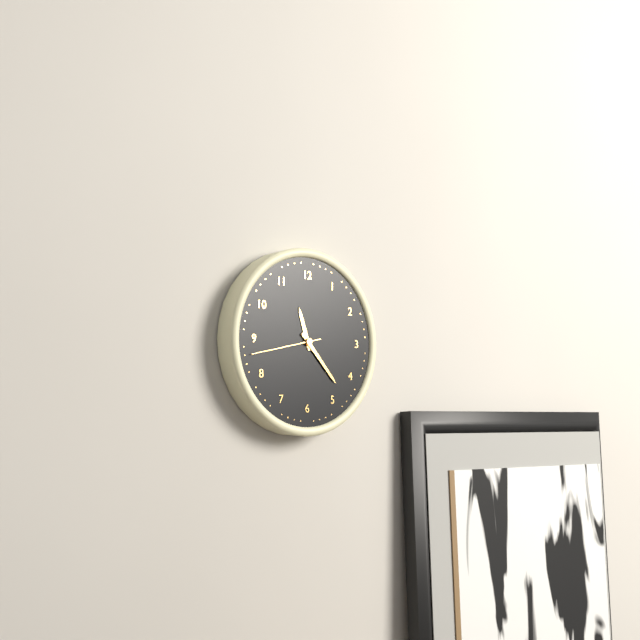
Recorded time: 11:23:43
